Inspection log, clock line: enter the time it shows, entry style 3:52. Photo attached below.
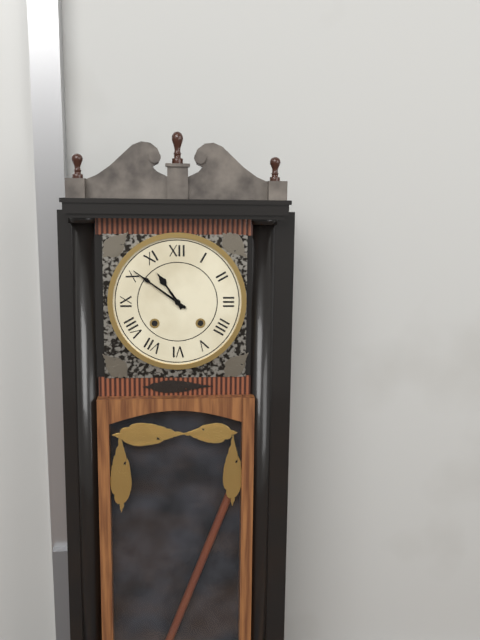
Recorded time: 10:51
